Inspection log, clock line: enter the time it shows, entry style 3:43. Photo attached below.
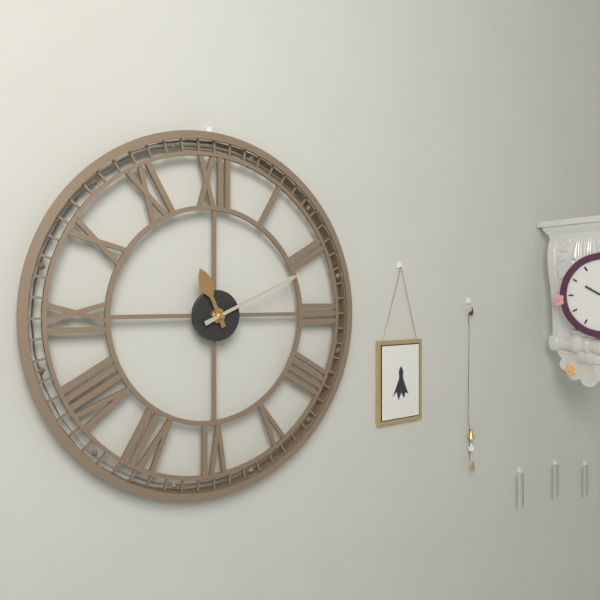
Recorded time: 11:11
